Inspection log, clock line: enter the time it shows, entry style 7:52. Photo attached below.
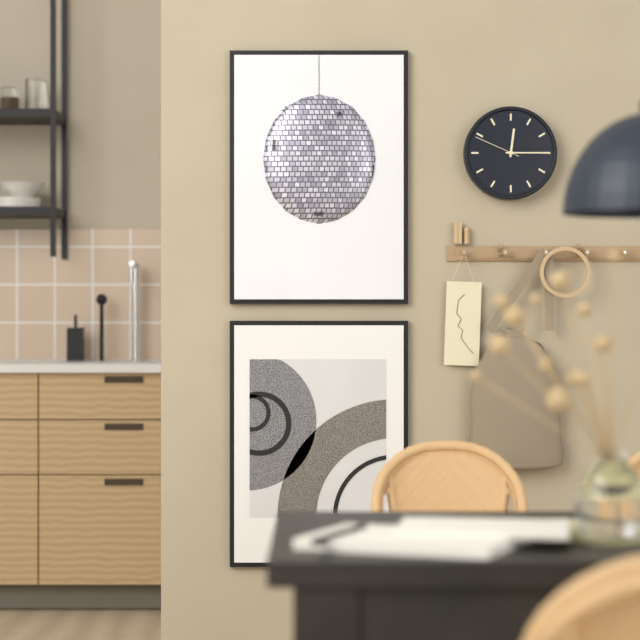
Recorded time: 12:15
